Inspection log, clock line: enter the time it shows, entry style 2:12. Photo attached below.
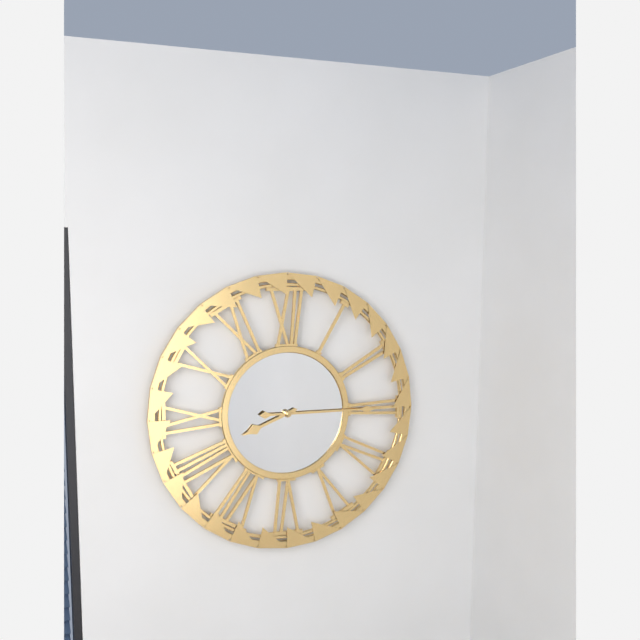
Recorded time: 8:15
